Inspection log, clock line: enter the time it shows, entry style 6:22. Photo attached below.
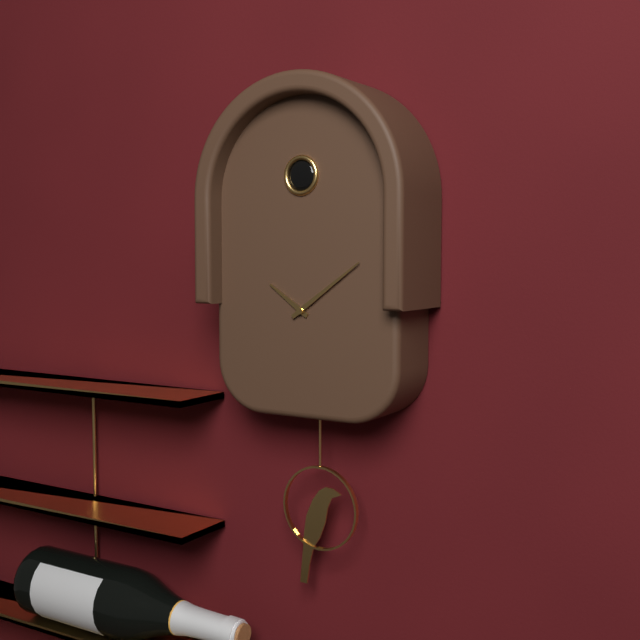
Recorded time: 10:09
